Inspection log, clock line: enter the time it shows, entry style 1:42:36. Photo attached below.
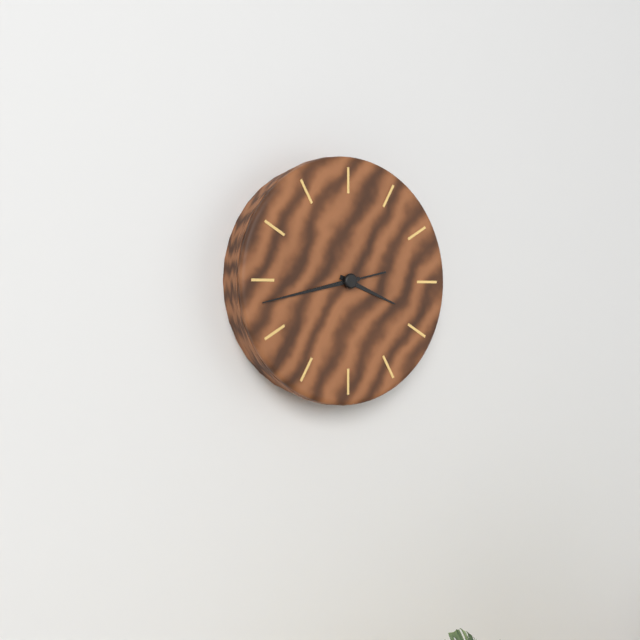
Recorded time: 3:43:43
